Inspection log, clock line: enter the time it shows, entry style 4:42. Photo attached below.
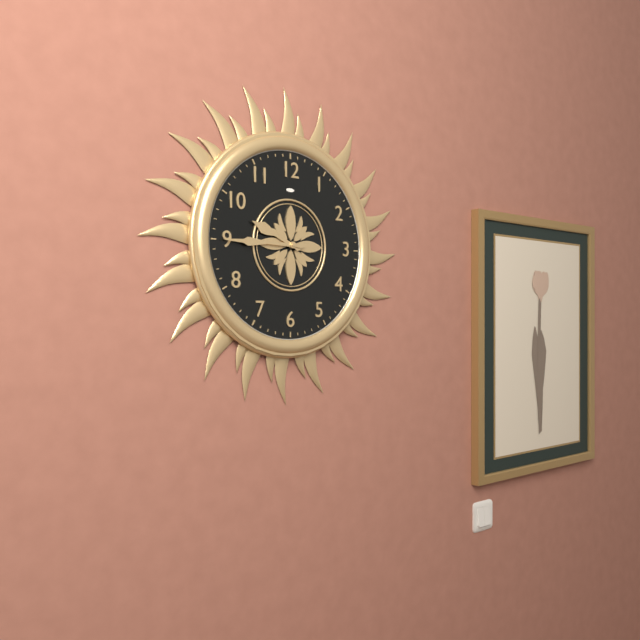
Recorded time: 9:45
